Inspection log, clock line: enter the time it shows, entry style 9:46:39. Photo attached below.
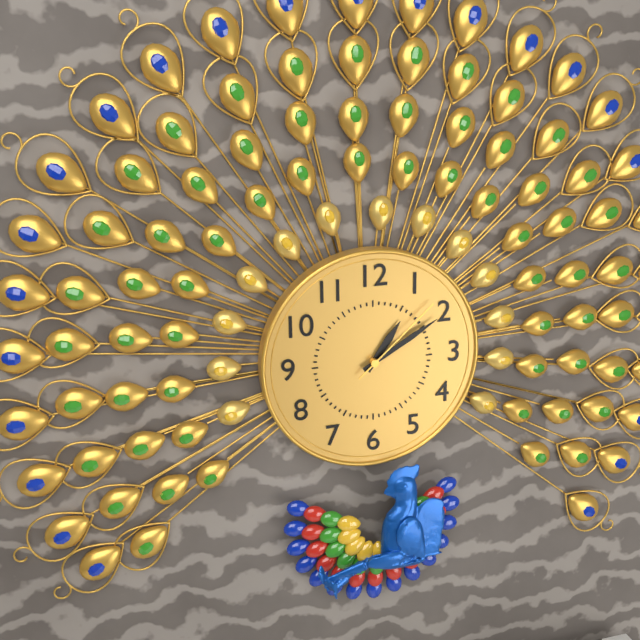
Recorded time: 1:10:08
